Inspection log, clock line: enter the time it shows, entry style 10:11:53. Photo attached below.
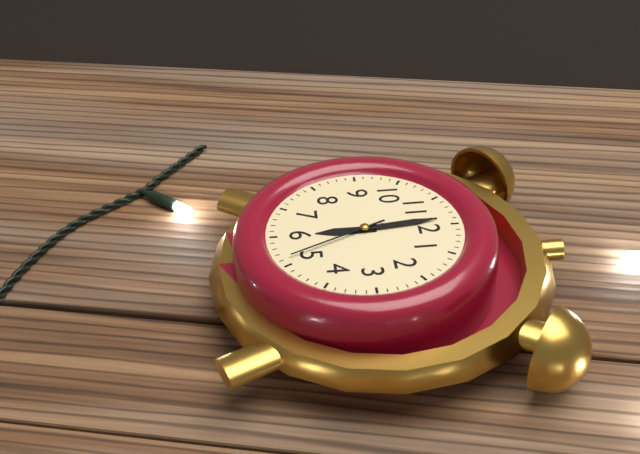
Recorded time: 5:59:26
